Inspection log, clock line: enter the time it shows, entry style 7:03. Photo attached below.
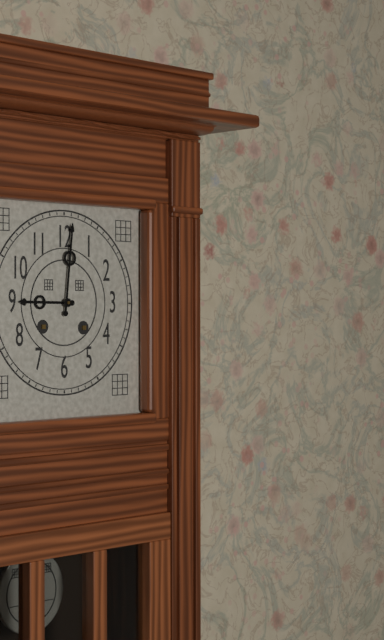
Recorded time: 9:01
